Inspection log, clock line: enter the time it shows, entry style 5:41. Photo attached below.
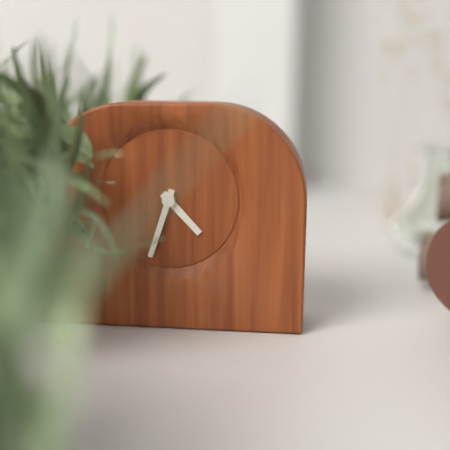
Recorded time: 4:33
